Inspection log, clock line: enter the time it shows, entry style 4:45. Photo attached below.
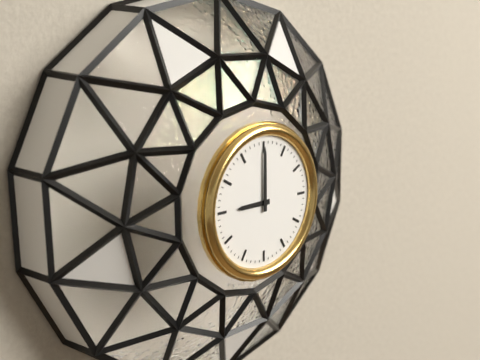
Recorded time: 9:00
